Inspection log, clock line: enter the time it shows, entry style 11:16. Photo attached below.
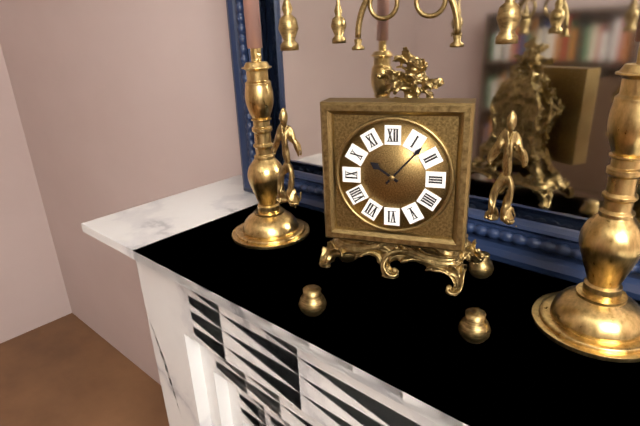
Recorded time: 10:07
